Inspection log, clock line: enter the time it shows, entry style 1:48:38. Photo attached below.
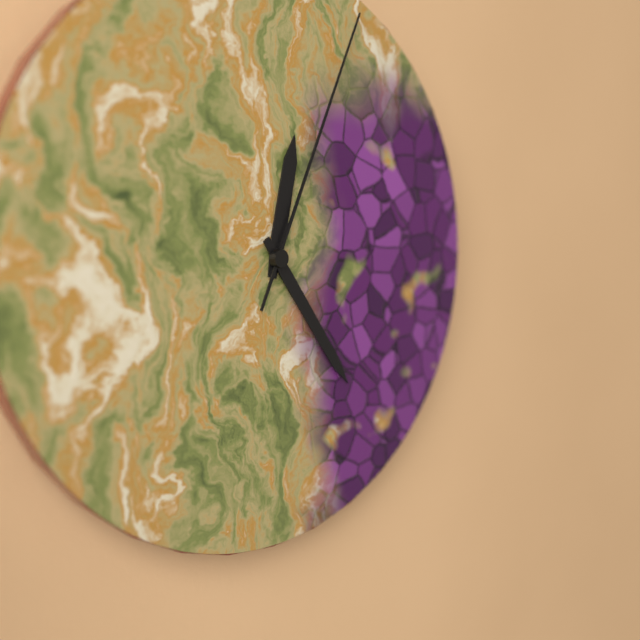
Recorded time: 12:24:04
